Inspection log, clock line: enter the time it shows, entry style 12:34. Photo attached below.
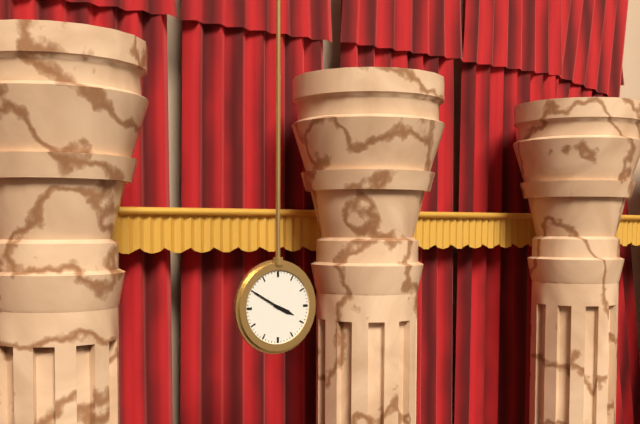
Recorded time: 3:50
